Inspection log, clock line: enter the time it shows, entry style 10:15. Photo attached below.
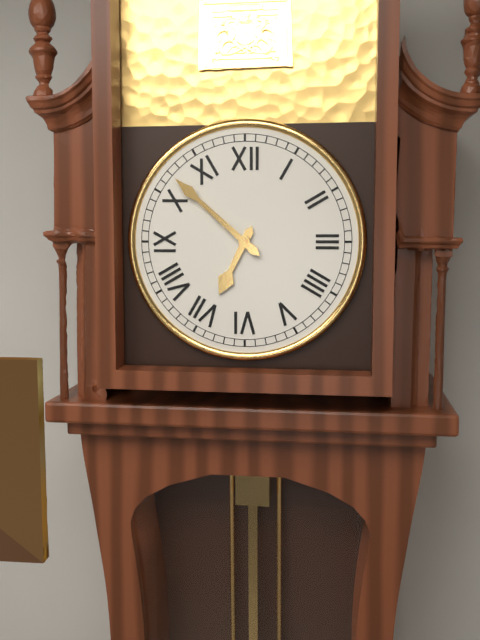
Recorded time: 6:52
